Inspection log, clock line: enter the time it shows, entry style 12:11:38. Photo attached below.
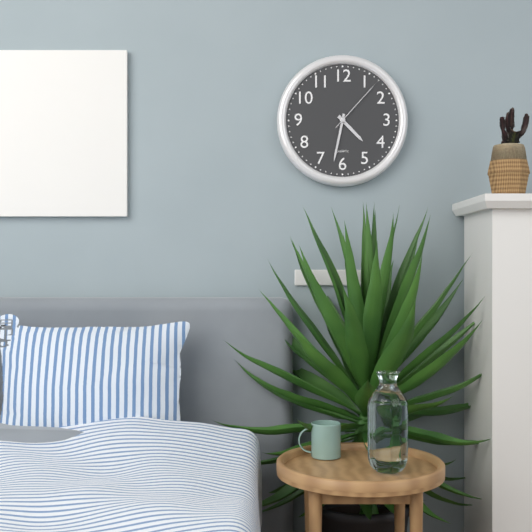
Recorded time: 4:32:07
